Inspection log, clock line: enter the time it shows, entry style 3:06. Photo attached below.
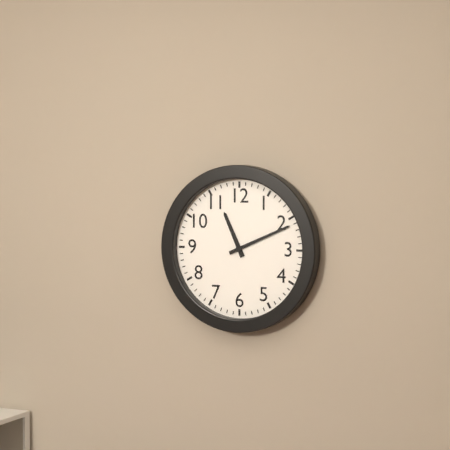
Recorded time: 11:11
